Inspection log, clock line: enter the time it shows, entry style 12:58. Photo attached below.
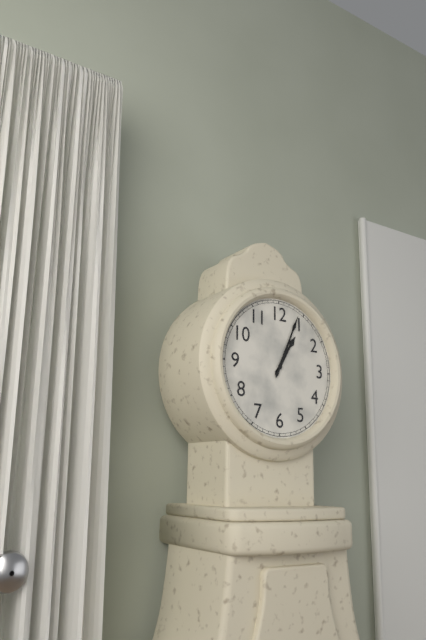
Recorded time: 1:04
